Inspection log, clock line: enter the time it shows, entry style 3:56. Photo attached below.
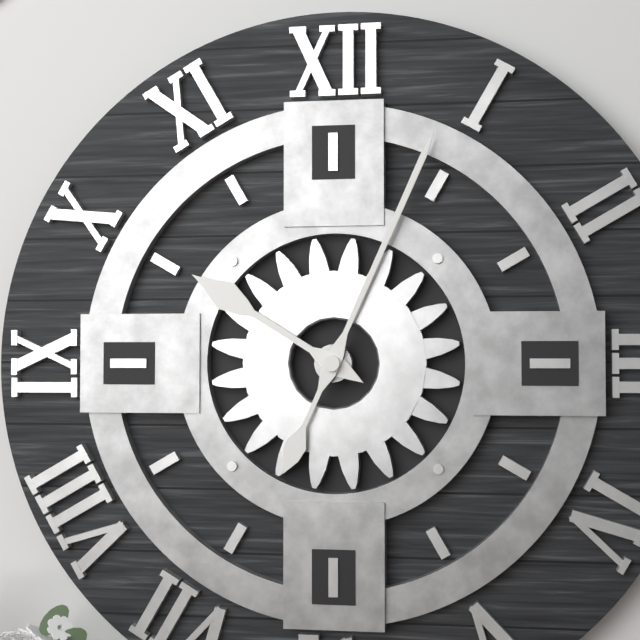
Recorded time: 10:04
